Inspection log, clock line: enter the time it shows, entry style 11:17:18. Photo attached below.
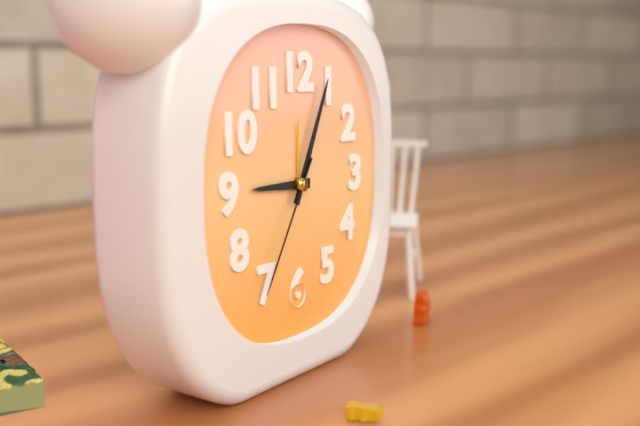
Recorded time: 9:04:35
